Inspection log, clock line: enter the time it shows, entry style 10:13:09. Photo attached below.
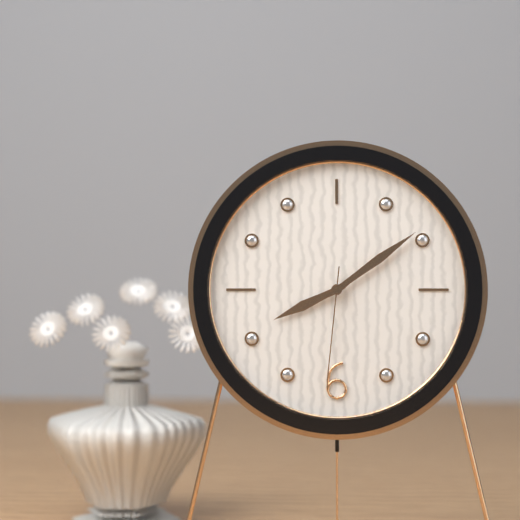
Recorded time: 8:09:31
